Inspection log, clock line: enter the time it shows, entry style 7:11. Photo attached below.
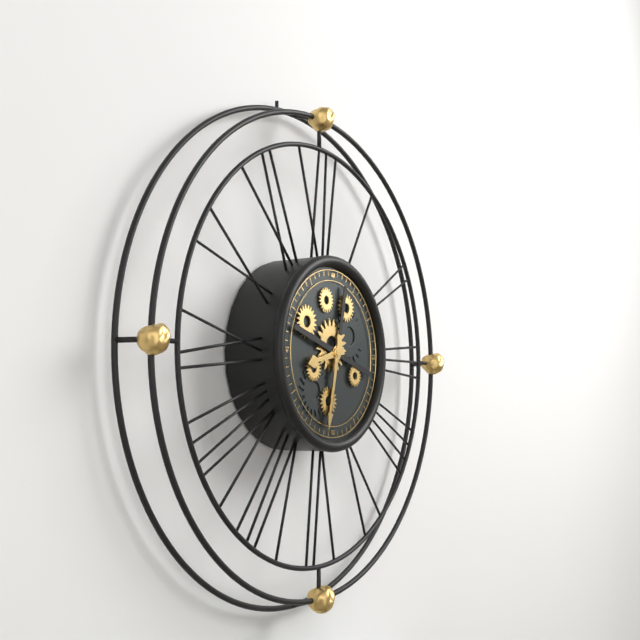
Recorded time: 8:32
